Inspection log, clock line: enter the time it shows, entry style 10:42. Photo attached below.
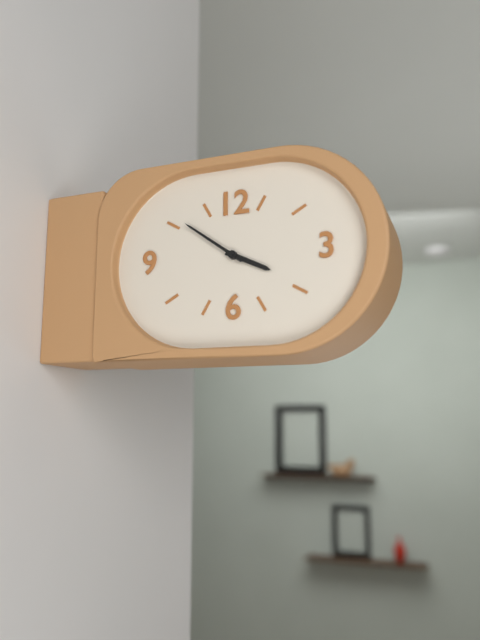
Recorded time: 3:51
